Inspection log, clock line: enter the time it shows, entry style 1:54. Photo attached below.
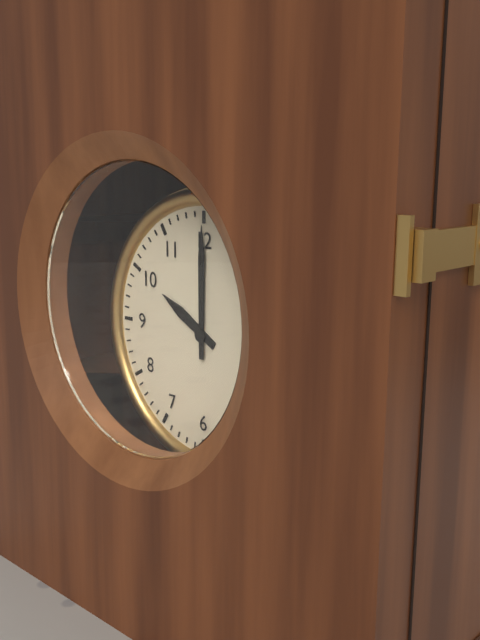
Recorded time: 10:00
